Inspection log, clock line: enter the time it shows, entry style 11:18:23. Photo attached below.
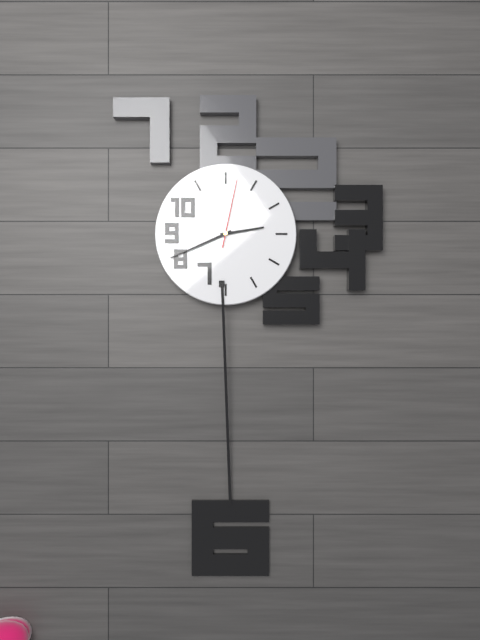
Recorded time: 2:41:02
